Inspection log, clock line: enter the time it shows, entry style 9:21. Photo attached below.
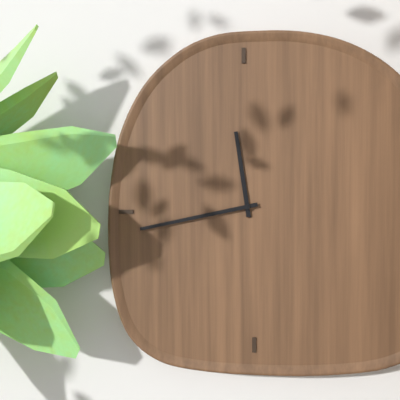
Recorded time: 11:43
